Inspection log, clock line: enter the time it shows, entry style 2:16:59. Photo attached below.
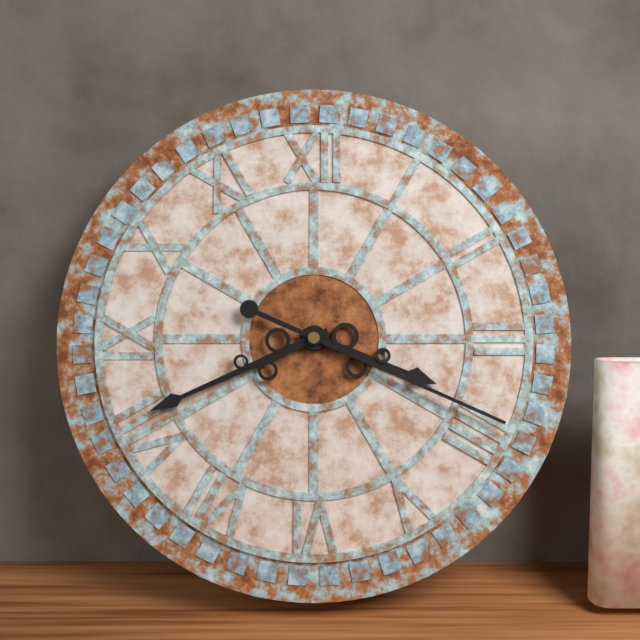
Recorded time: 3:41:19
